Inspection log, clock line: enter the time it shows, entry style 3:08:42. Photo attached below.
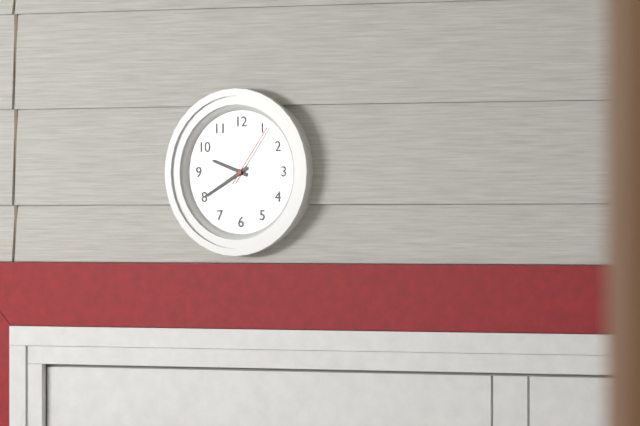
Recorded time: 9:40:06
